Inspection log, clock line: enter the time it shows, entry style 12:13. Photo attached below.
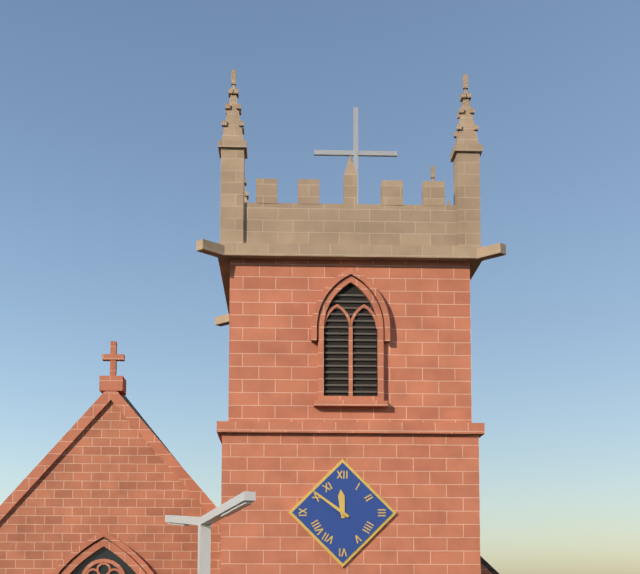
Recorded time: 11:51
